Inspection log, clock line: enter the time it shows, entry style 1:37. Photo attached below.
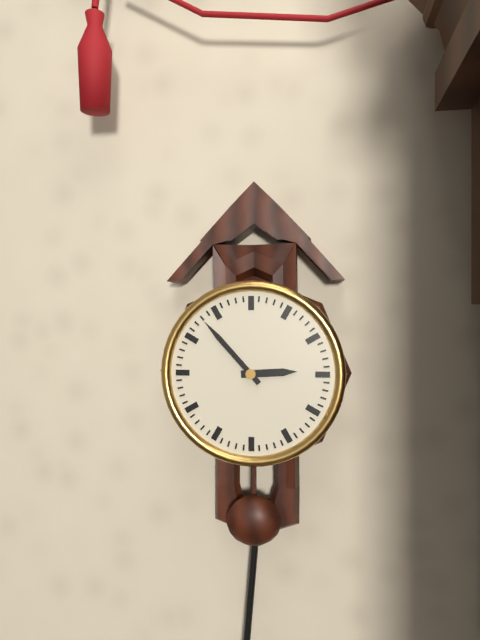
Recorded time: 2:53
